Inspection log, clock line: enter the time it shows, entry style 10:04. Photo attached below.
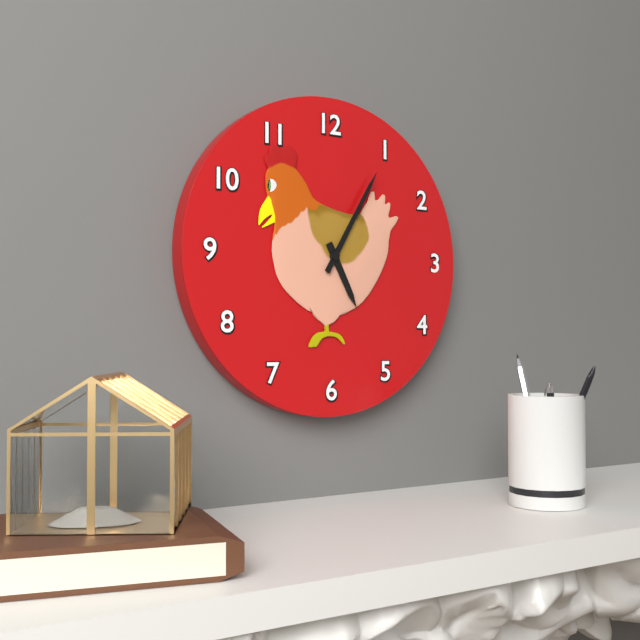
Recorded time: 5:05
